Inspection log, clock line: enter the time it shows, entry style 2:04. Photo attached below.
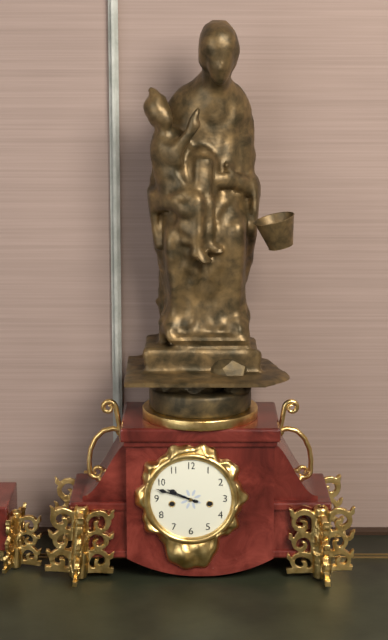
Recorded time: 9:48
